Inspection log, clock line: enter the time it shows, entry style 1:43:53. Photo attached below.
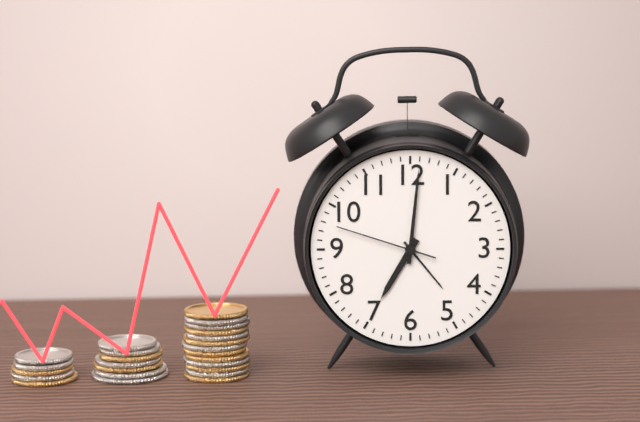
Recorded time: 7:01:48
